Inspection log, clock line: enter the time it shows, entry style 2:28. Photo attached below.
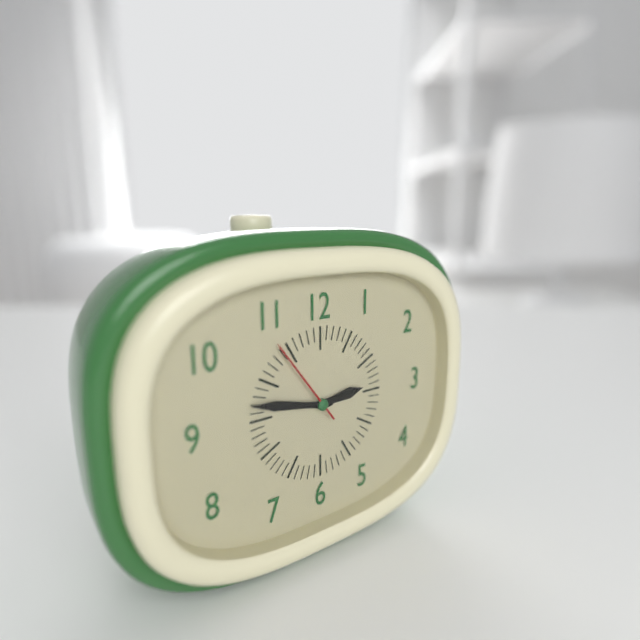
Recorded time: 2:47
